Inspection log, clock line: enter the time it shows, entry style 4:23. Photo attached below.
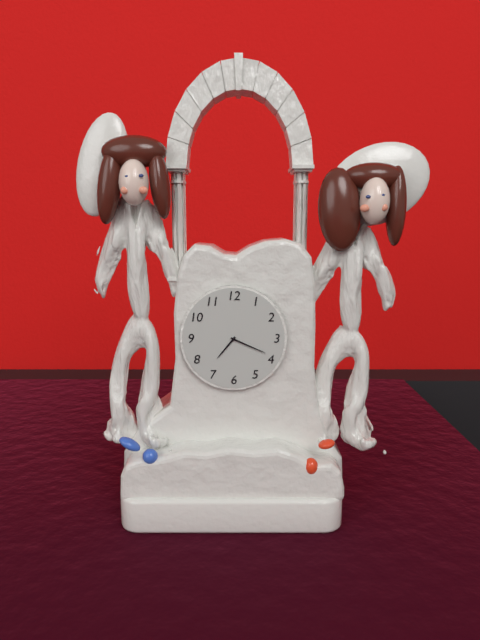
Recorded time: 7:19
